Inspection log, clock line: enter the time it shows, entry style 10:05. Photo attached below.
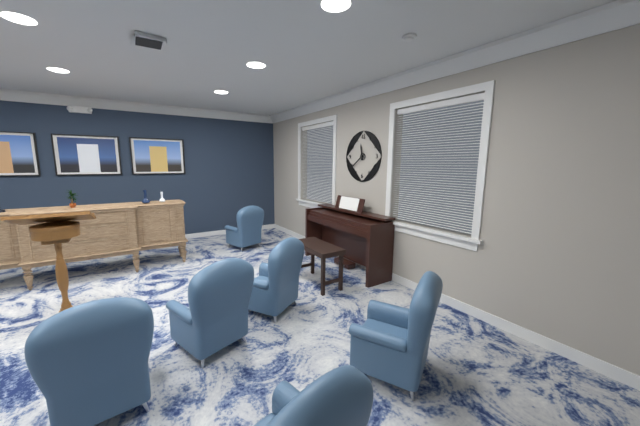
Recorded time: 11:39
